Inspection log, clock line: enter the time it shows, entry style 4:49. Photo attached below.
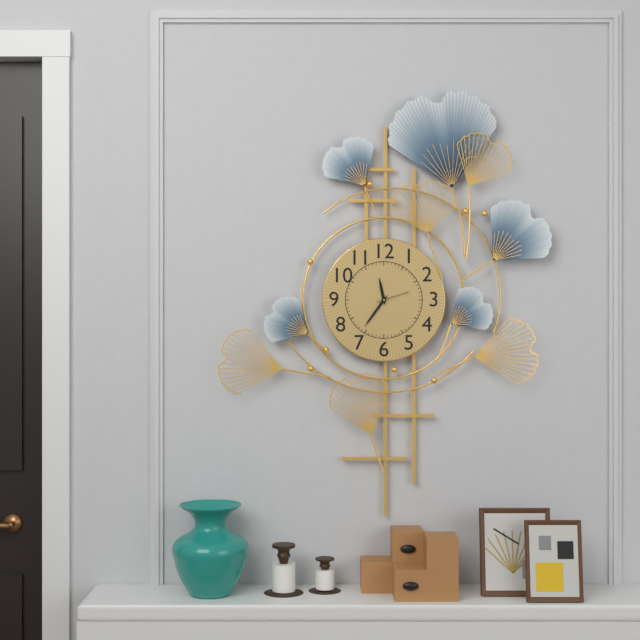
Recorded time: 11:36
